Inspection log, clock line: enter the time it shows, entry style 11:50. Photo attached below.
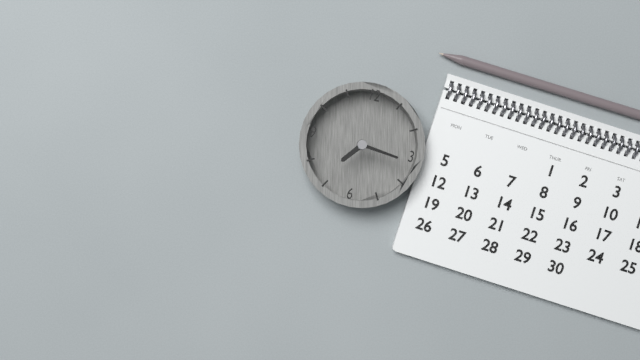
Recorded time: 7:16
